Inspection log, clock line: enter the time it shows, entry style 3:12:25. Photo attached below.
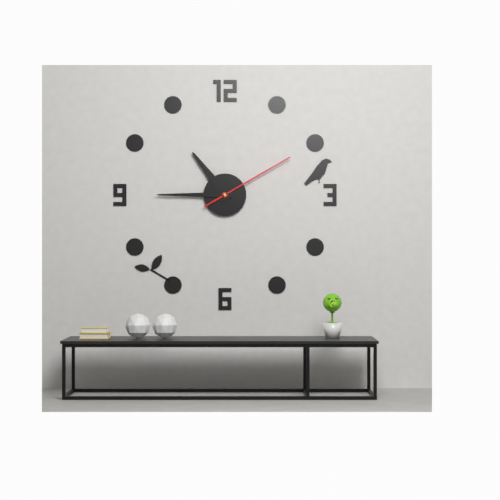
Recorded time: 10:45:10
